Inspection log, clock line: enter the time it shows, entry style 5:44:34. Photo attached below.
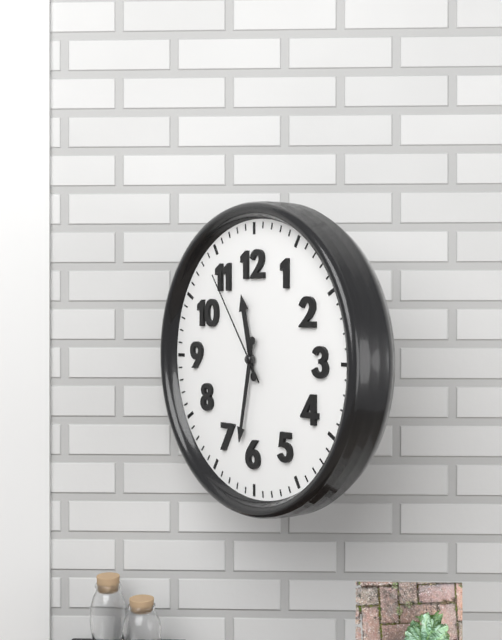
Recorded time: 11:32:54
